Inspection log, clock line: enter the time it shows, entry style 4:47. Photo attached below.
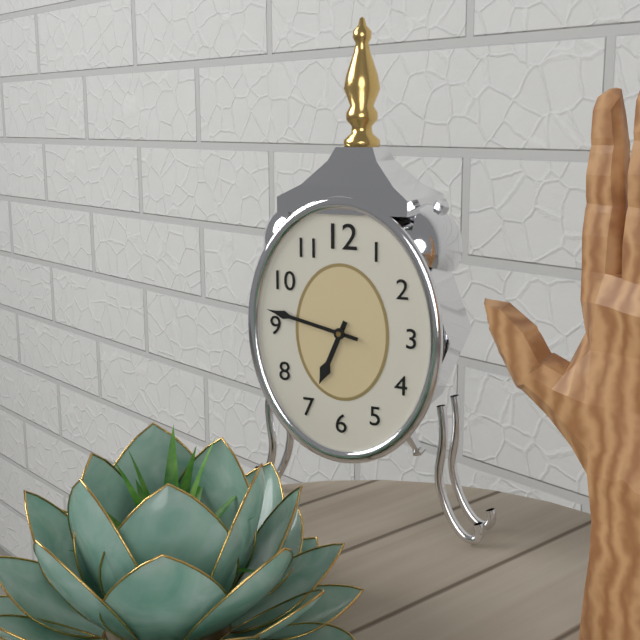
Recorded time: 6:47
